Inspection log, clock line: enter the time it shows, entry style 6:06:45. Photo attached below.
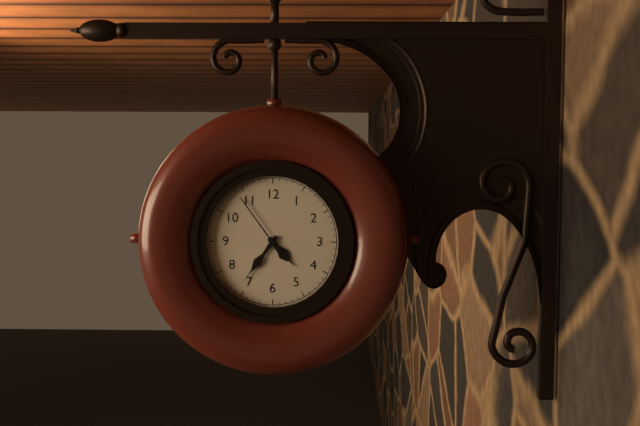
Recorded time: 4:36:54
